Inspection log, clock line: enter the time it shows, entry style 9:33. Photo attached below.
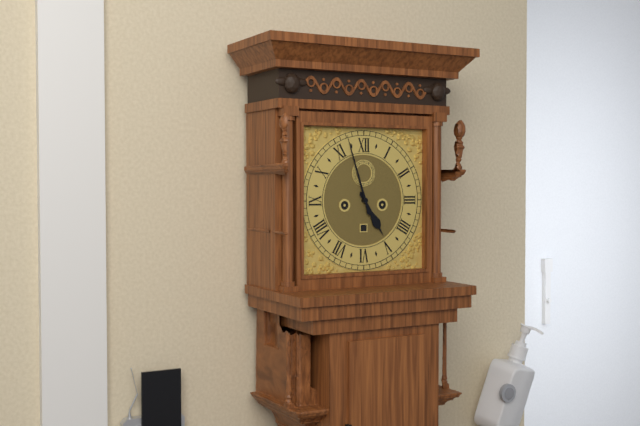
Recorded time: 4:57
